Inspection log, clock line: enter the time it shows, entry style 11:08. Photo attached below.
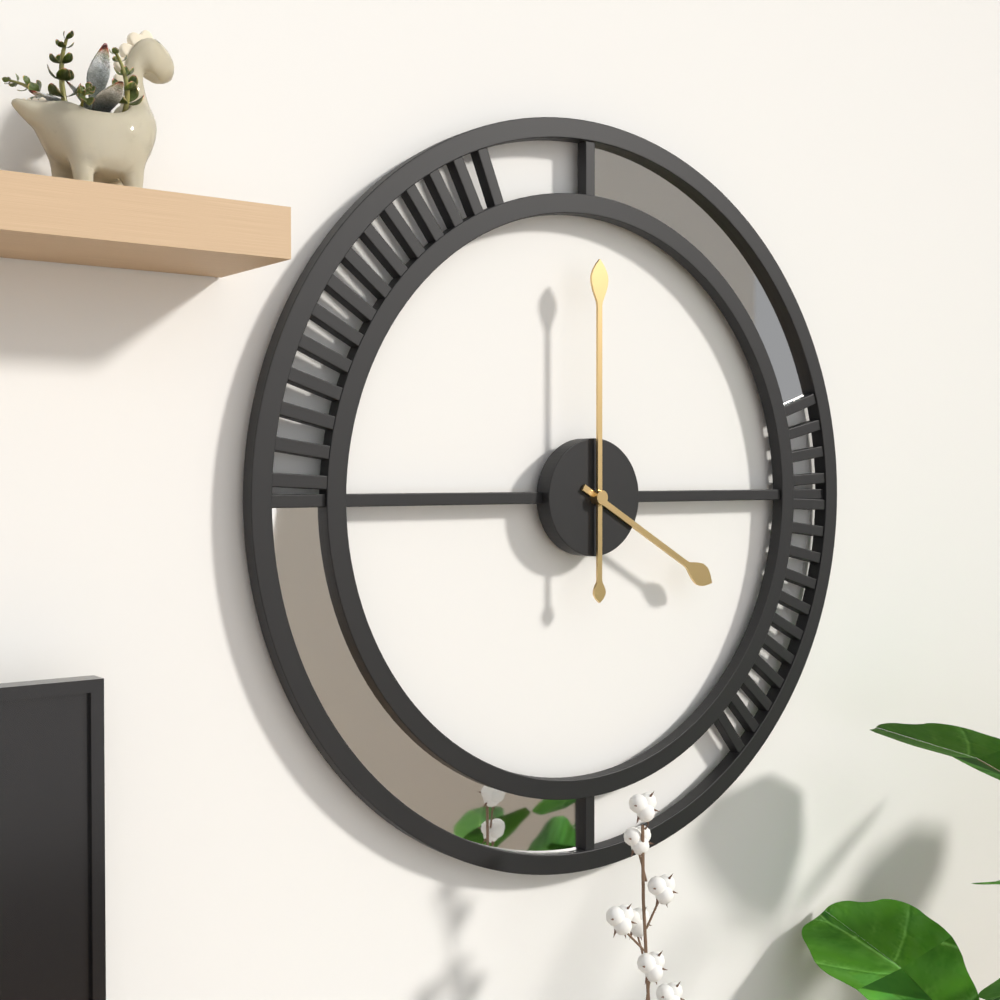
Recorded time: 4:00
